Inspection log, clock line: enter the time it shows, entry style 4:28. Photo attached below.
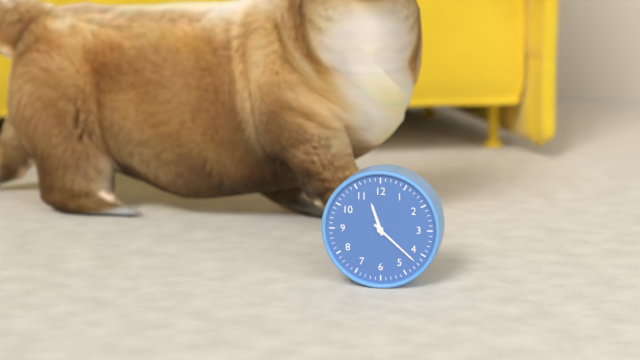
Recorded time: 11:22
